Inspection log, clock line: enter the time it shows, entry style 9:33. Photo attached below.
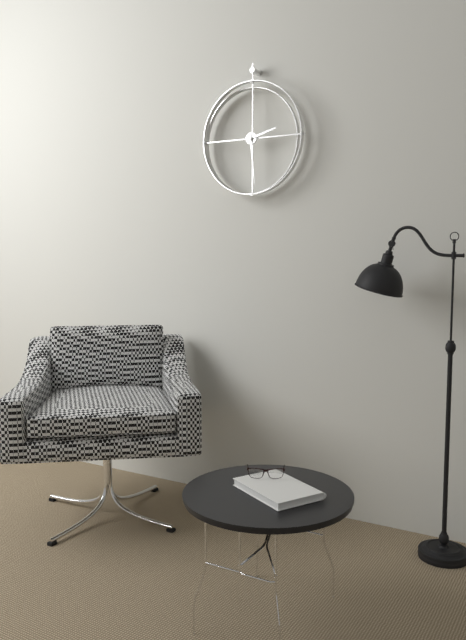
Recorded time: 2:29
